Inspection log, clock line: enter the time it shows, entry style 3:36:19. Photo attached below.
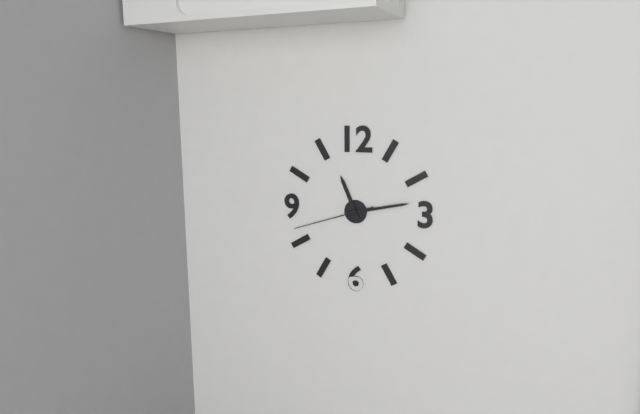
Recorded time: 11:13:42
